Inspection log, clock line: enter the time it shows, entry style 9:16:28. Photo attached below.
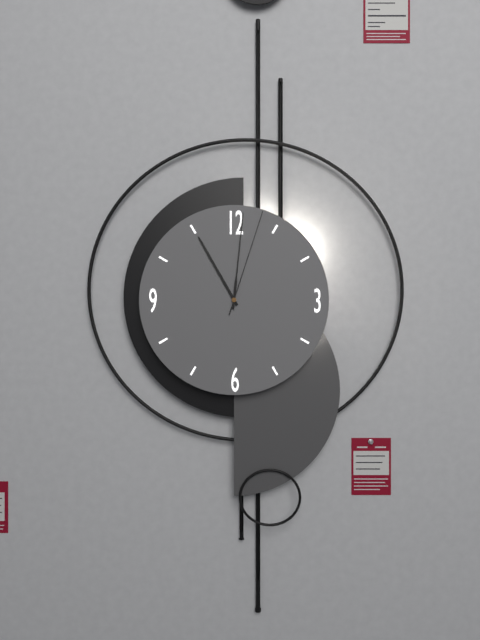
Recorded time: 11:01:03
